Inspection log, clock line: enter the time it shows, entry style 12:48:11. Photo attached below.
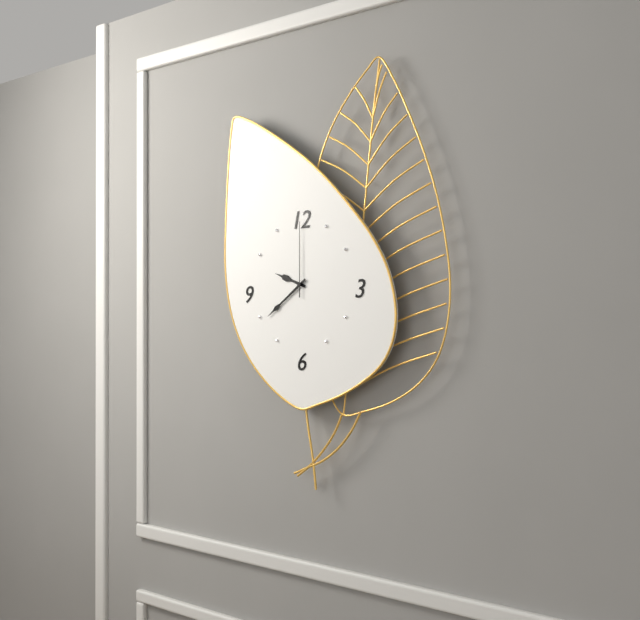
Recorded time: 9:39:00
